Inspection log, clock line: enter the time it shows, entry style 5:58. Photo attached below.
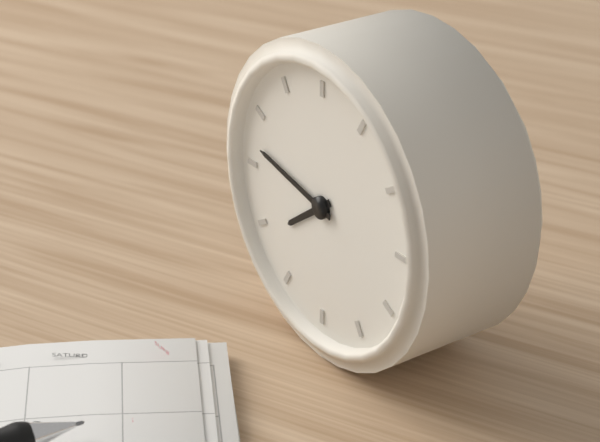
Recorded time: 7:47
